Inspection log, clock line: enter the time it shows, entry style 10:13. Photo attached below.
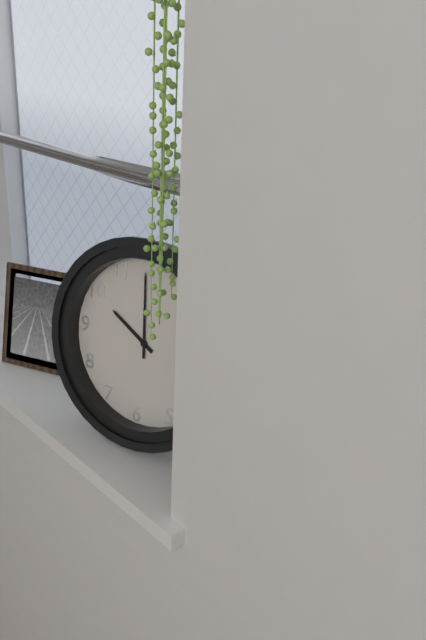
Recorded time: 9:59
